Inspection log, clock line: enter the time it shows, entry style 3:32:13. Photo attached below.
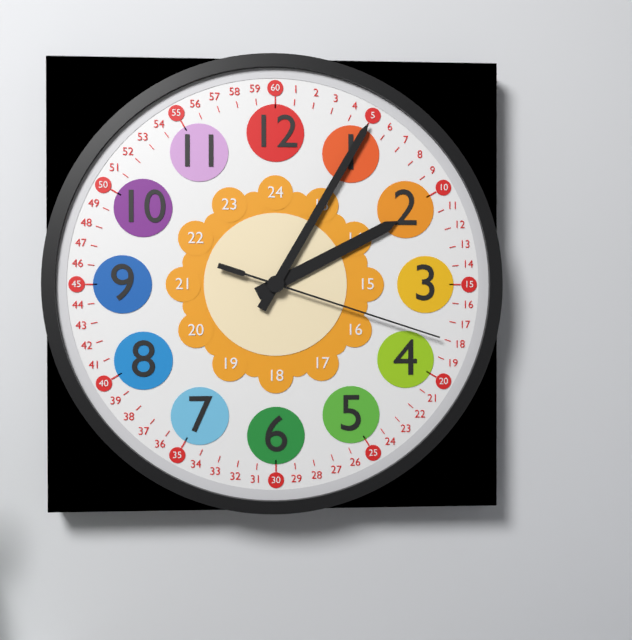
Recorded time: 2:05:18
